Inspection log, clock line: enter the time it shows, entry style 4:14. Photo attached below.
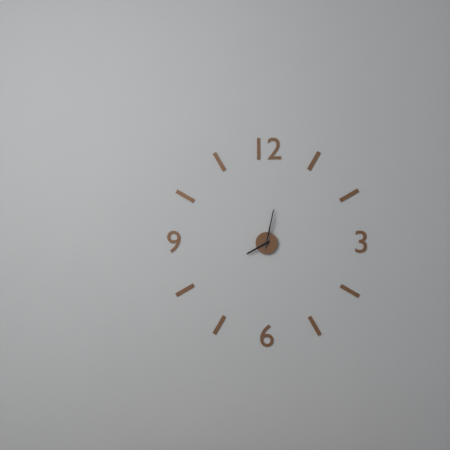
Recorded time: 8:02
